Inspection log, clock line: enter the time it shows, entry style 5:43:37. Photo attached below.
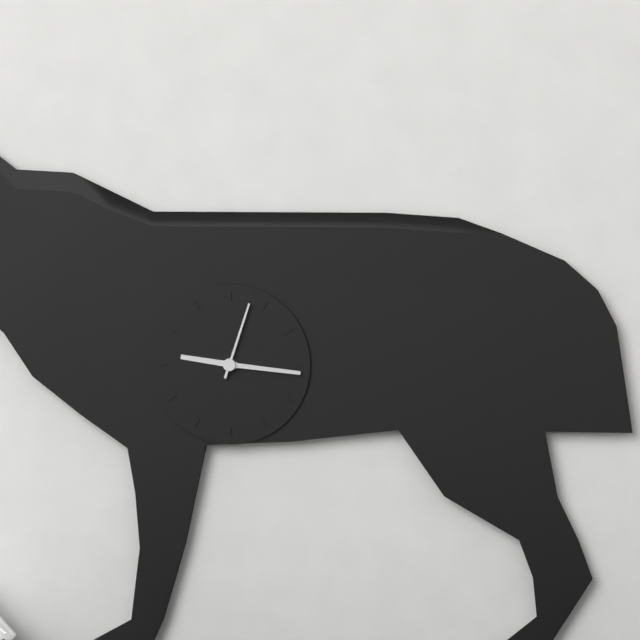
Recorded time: 9:16:03
